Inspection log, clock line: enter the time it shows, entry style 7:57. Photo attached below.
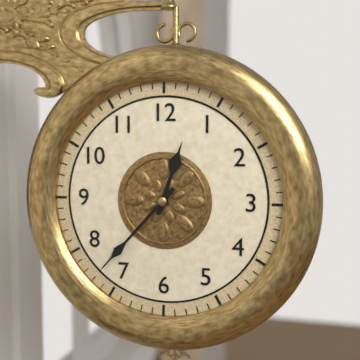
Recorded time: 12:37
